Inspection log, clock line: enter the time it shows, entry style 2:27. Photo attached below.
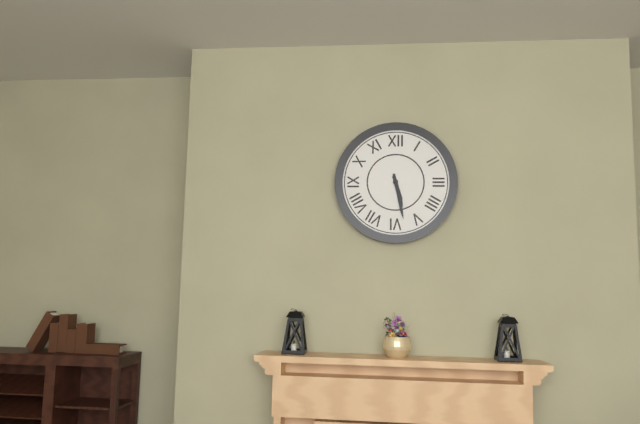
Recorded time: 5:28
